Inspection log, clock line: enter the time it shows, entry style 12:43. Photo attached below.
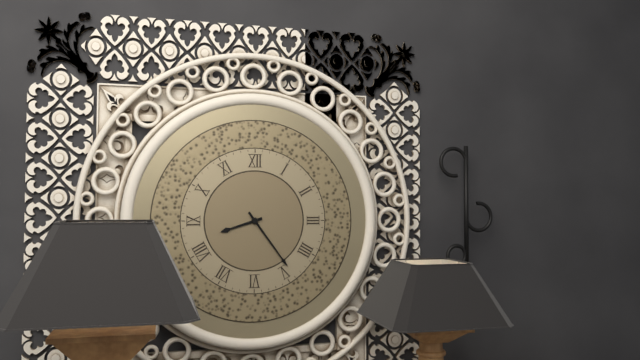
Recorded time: 8:24
